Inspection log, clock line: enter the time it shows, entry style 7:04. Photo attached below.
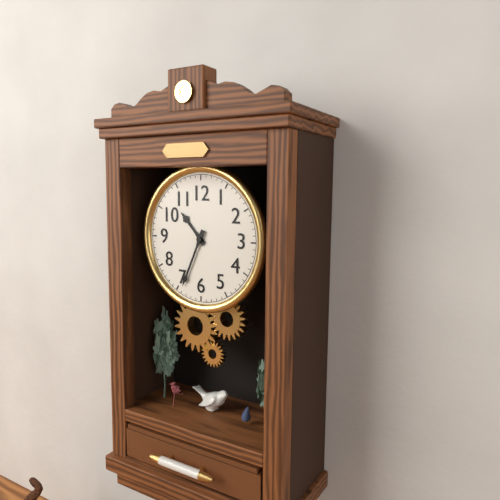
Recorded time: 10:34
